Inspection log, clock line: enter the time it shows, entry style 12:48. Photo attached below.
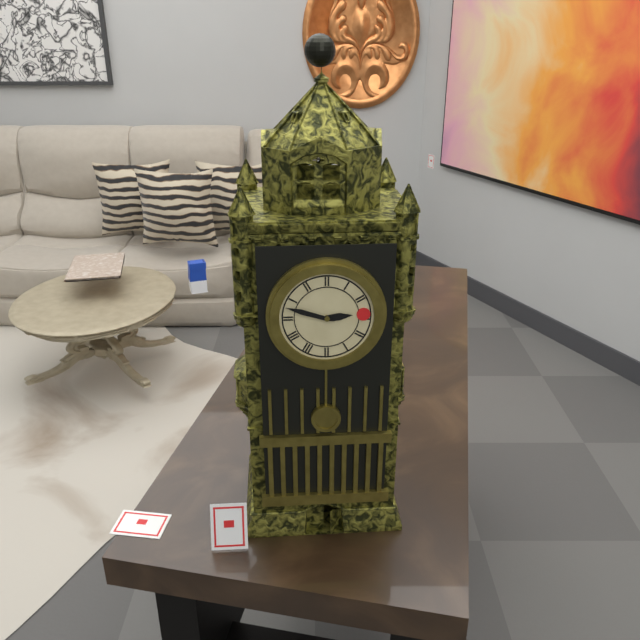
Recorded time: 2:48
